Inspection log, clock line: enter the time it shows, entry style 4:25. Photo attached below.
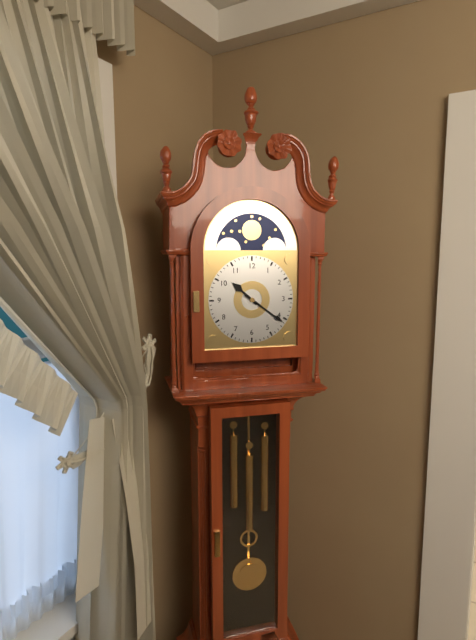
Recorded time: 10:21
